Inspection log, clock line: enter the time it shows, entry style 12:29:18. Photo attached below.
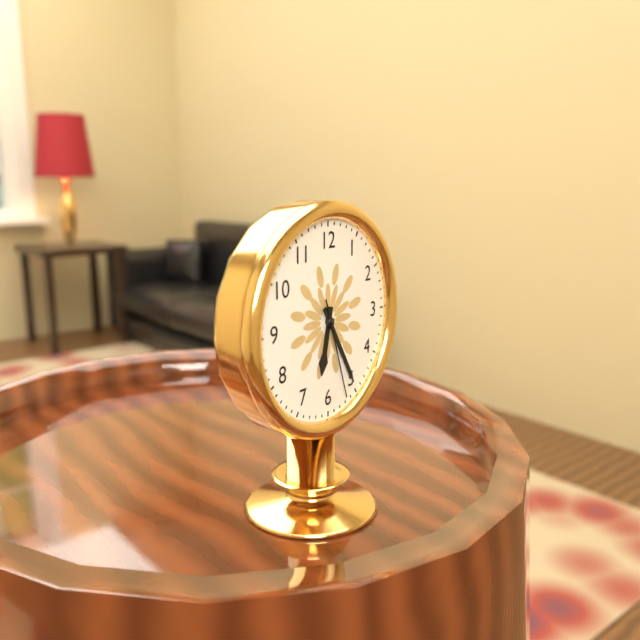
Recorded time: 6:25:27
